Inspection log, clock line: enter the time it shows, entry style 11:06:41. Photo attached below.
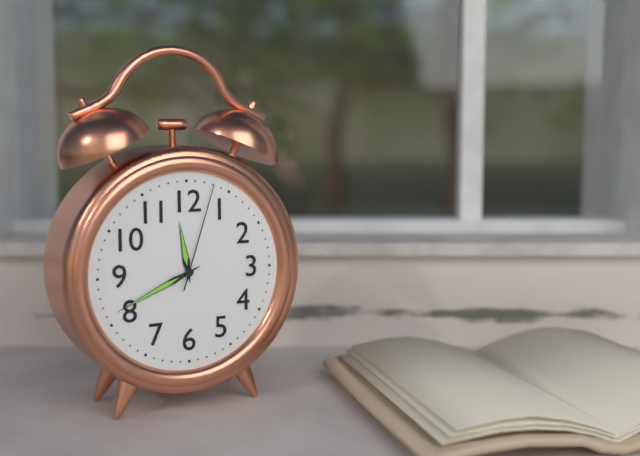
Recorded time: 11:41:03
